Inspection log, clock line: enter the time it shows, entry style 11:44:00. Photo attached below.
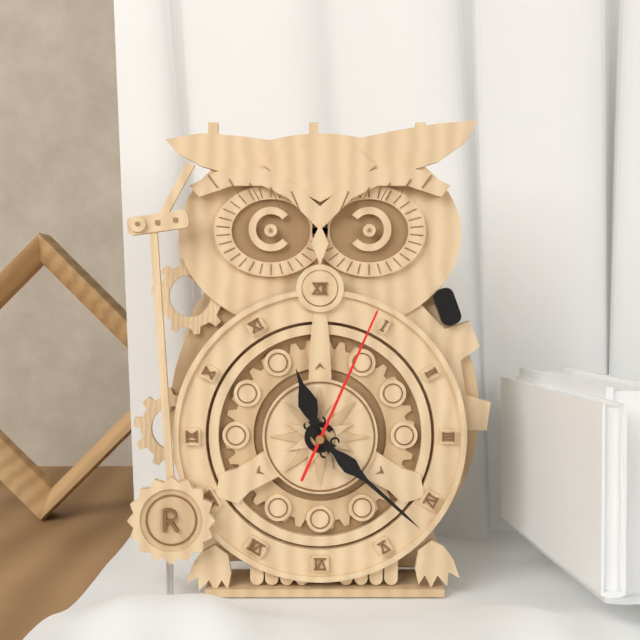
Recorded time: 11:22:04
